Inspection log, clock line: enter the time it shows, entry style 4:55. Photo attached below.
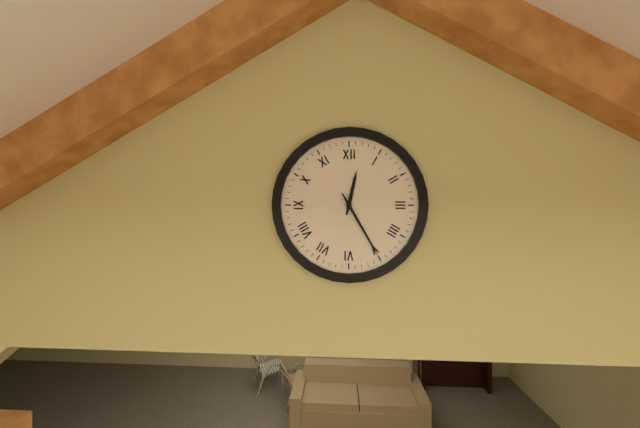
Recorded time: 12:25
